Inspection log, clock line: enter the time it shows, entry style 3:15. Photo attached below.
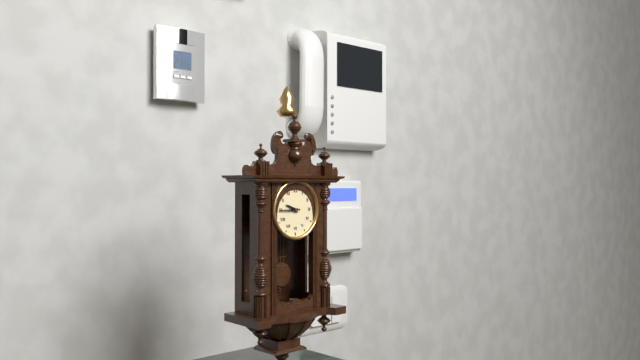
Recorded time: 9:45
